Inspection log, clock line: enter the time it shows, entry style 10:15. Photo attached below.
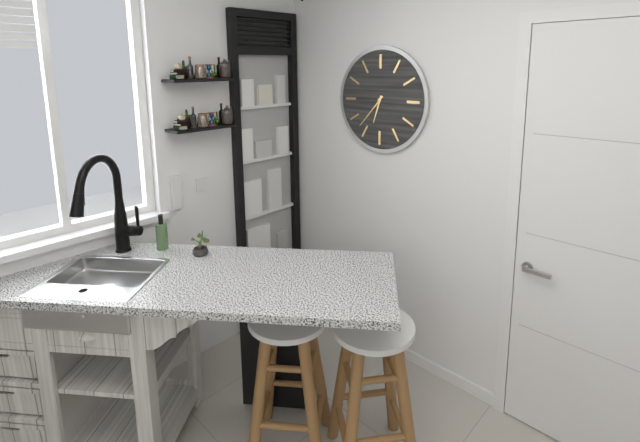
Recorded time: 6:37
